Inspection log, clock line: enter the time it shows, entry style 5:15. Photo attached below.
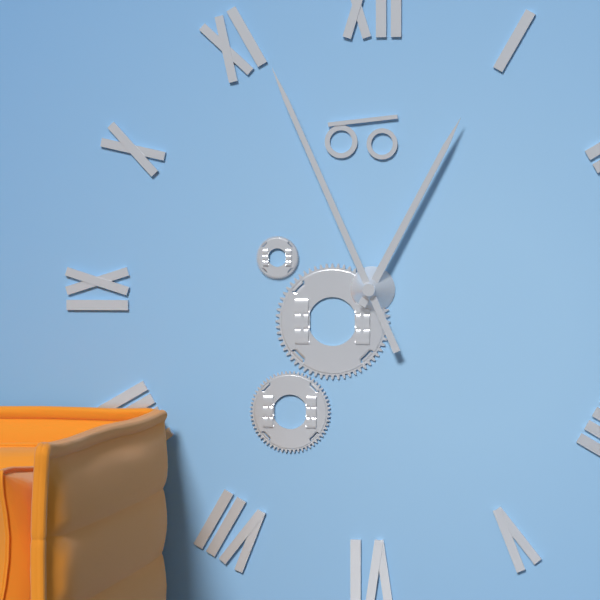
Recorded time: 12:56
